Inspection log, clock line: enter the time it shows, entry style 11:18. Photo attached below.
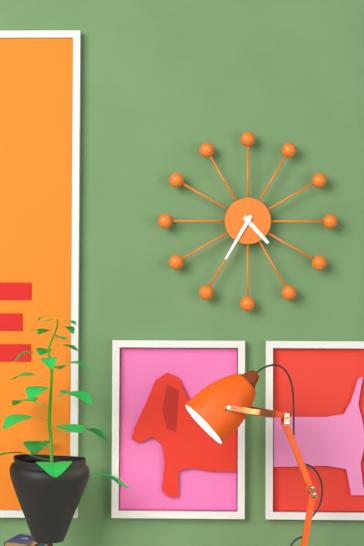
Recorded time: 4:35
